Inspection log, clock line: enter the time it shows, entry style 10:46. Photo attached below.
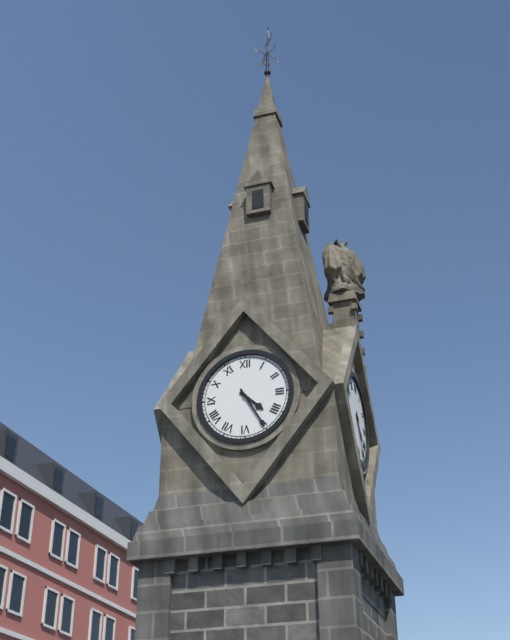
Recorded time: 4:25
